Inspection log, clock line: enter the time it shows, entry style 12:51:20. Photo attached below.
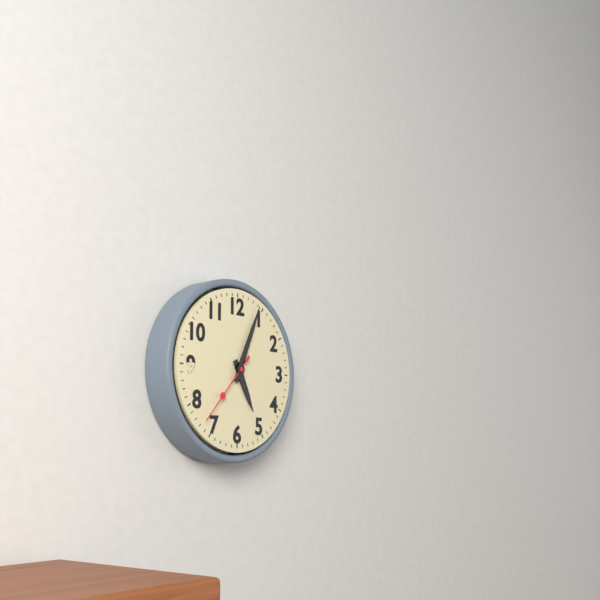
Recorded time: 5:04:37
